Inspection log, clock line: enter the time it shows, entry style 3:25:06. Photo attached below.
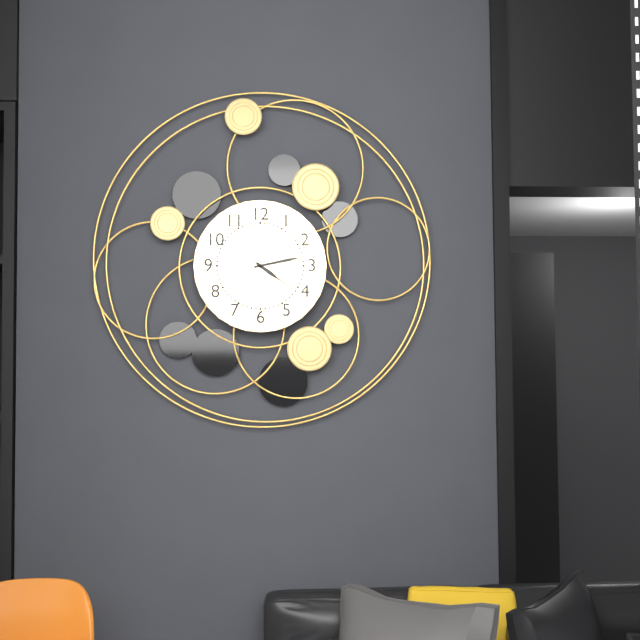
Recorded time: 4:13:21
